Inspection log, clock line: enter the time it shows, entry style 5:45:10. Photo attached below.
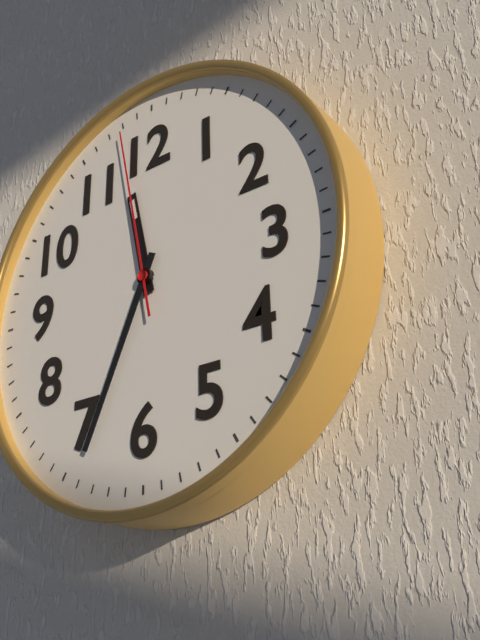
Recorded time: 11:34:58
